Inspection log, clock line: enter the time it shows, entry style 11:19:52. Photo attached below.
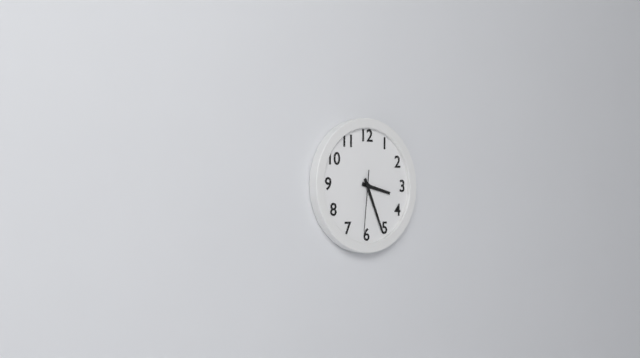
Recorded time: 3:26:31
